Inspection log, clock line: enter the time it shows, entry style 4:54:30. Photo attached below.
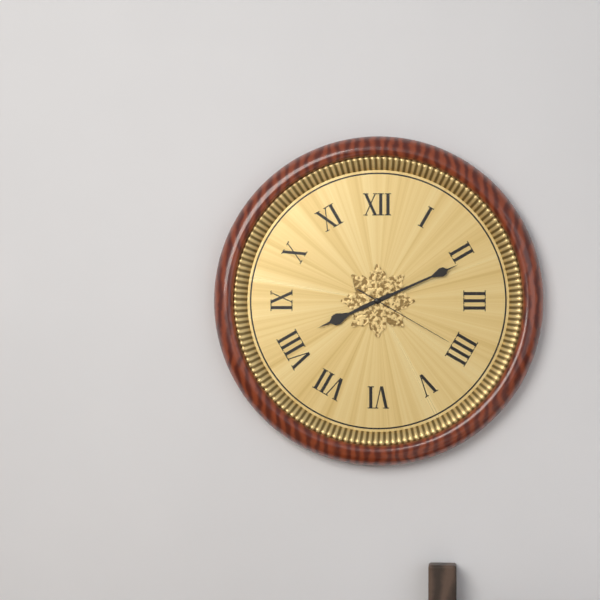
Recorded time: 8:11:20
